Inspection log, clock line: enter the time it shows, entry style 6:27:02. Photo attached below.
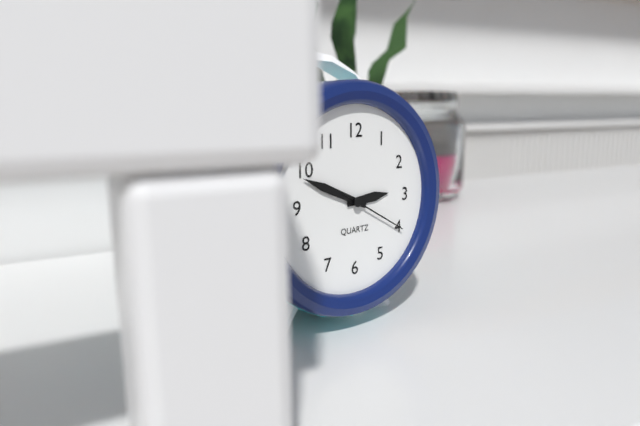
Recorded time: 2:49:20
